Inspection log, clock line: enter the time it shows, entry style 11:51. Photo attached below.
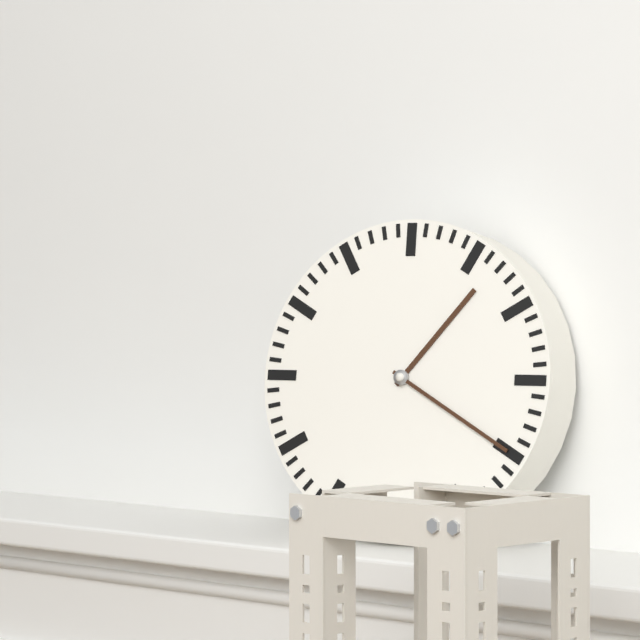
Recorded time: 1:20
